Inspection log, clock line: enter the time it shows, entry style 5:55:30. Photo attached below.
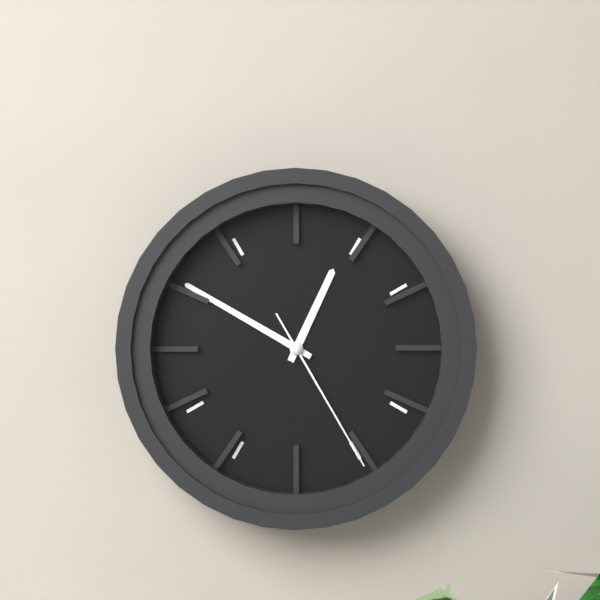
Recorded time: 12:50:25
